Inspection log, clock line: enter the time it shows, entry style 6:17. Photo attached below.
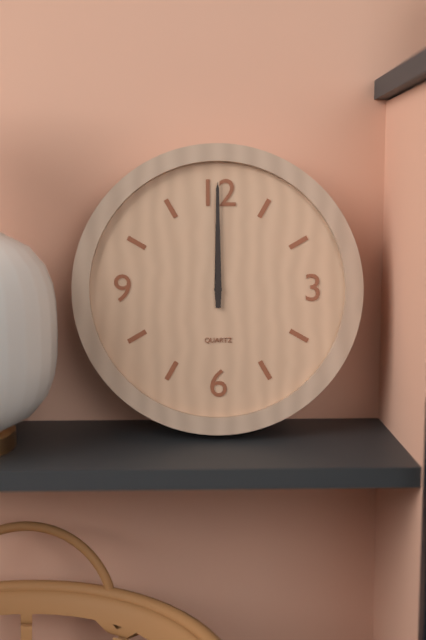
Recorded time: 12:00
